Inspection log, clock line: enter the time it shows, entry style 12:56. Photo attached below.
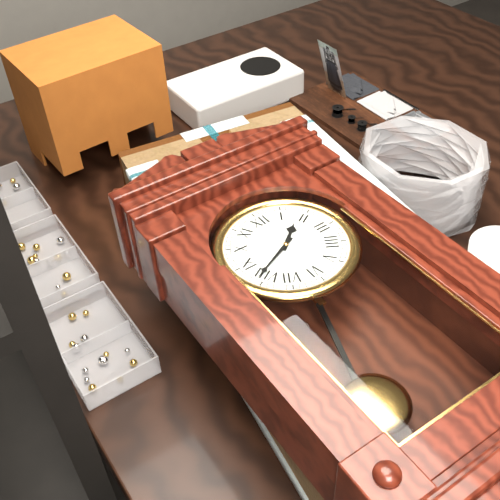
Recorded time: 1:41
